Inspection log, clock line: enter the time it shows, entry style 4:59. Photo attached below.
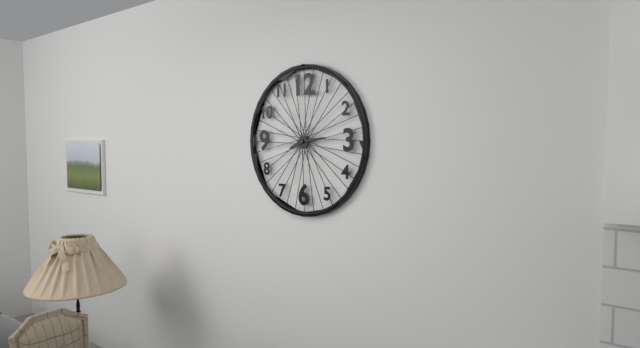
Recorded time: 8:14
